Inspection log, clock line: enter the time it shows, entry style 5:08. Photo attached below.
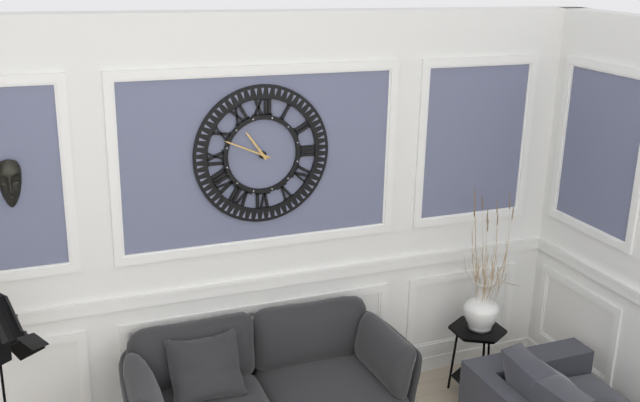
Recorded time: 10:49
